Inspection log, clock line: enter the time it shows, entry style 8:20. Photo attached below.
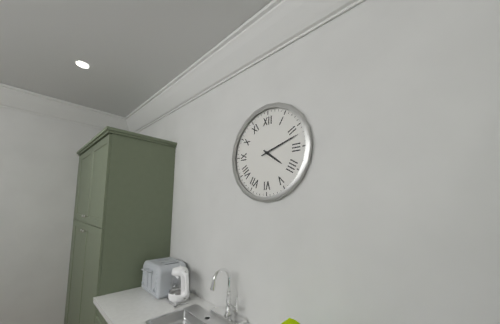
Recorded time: 4:12
